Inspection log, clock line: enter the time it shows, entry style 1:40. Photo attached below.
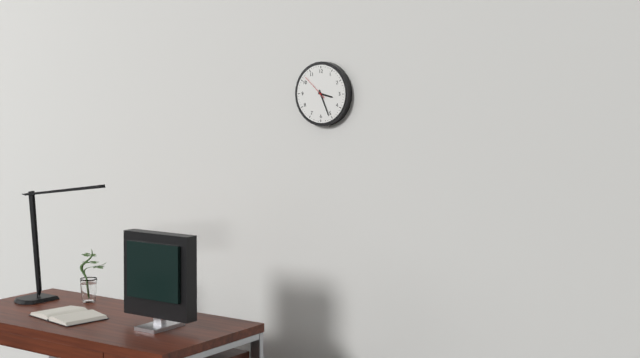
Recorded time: 3:26
